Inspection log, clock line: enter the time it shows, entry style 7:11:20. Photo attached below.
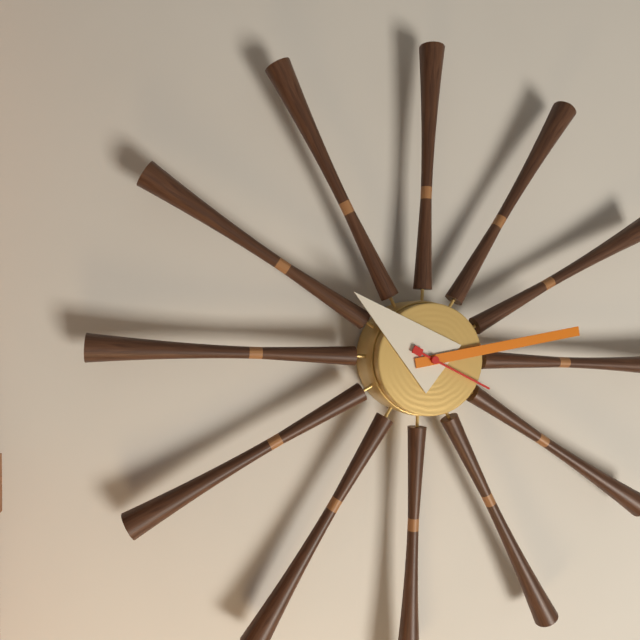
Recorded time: 10:13:19
